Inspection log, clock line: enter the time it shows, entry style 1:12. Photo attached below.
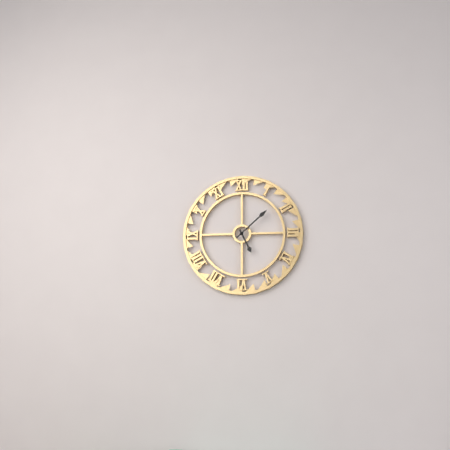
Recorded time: 5:08
